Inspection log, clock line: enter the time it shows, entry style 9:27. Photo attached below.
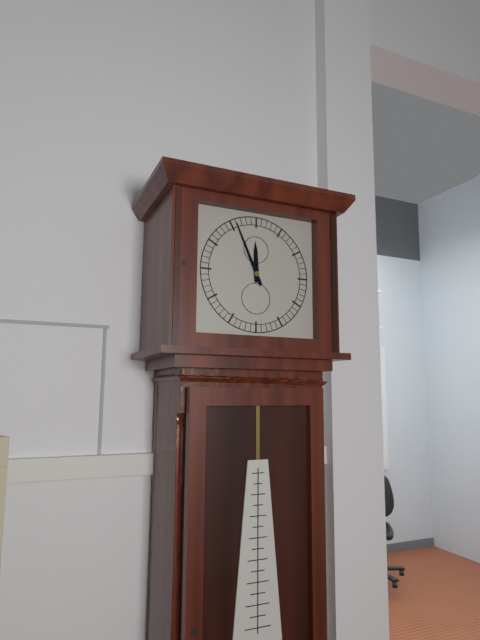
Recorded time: 11:56
